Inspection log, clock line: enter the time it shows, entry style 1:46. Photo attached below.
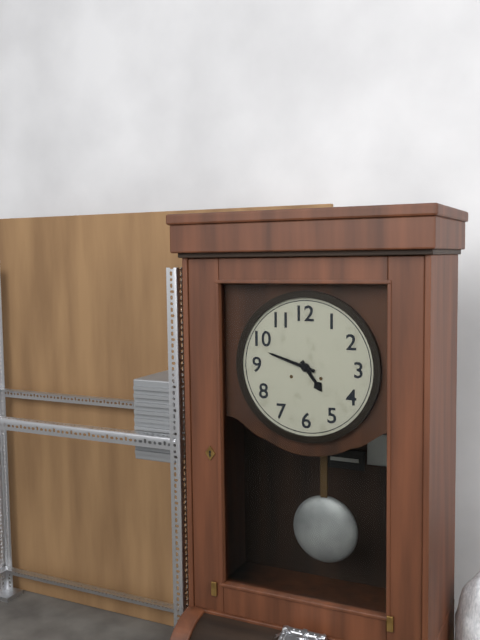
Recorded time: 4:48
